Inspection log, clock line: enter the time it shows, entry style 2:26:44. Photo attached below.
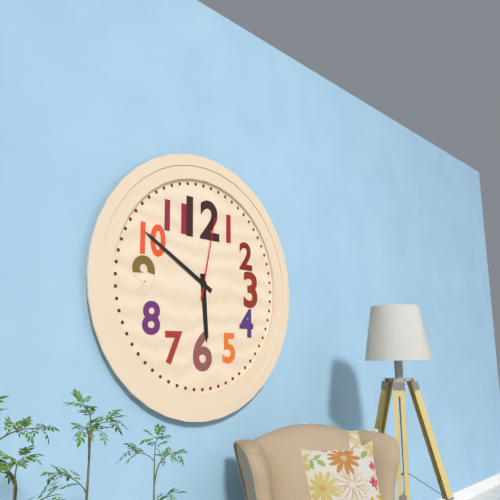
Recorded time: 5:50:02
